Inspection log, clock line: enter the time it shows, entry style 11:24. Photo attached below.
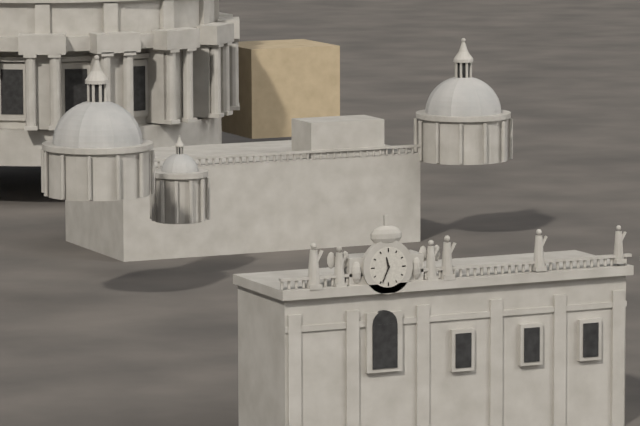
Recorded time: 11:34
